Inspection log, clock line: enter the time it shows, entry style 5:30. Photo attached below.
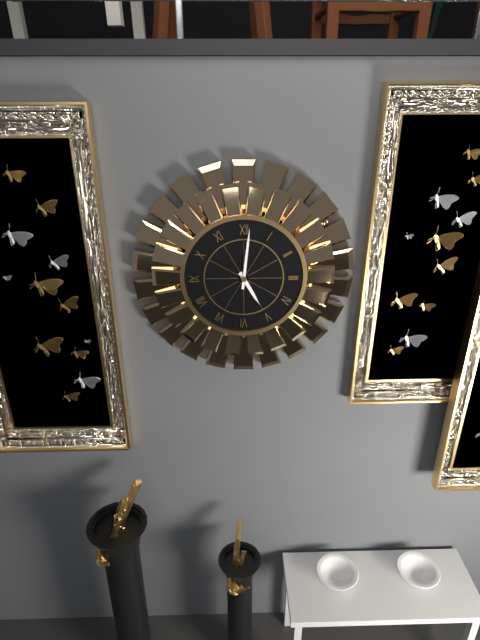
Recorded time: 5:01
